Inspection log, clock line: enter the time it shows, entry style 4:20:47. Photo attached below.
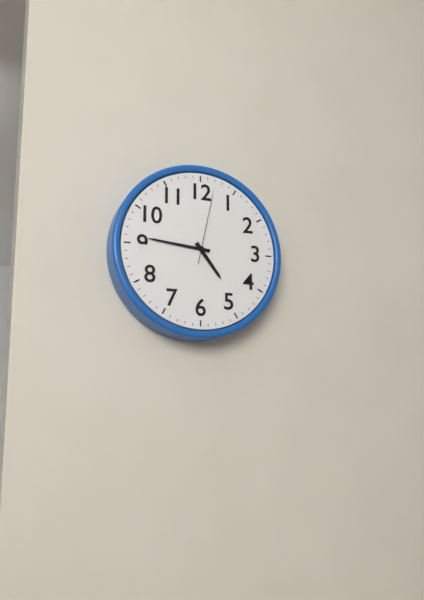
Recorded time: 4:46:02
